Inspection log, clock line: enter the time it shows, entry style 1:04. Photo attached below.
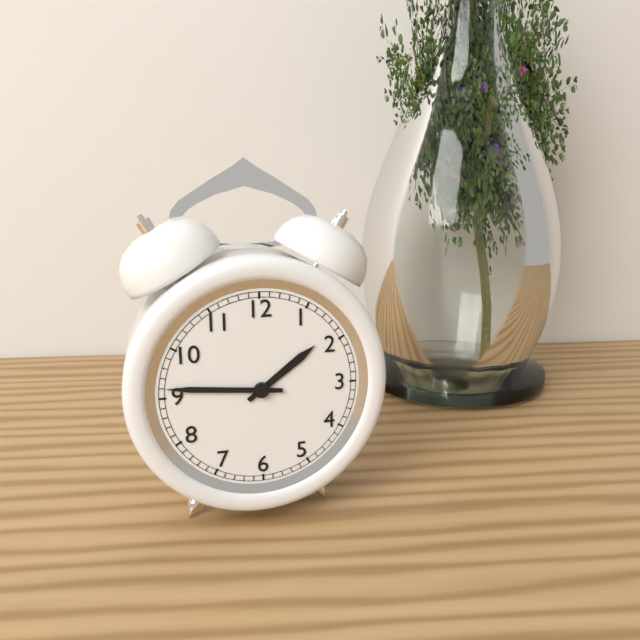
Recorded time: 1:46
